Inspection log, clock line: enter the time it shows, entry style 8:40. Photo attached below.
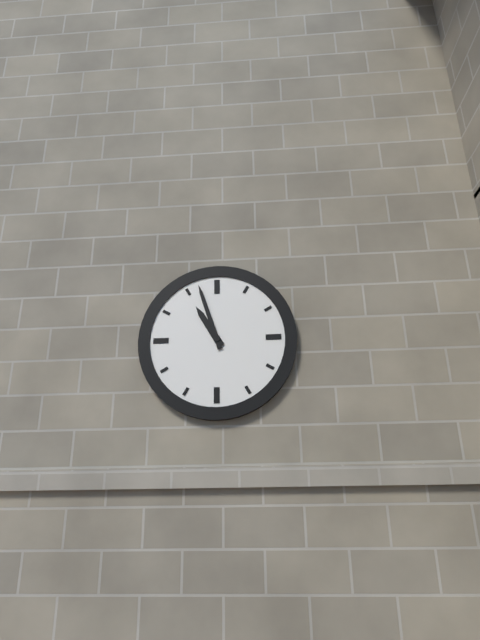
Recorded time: 10:57
